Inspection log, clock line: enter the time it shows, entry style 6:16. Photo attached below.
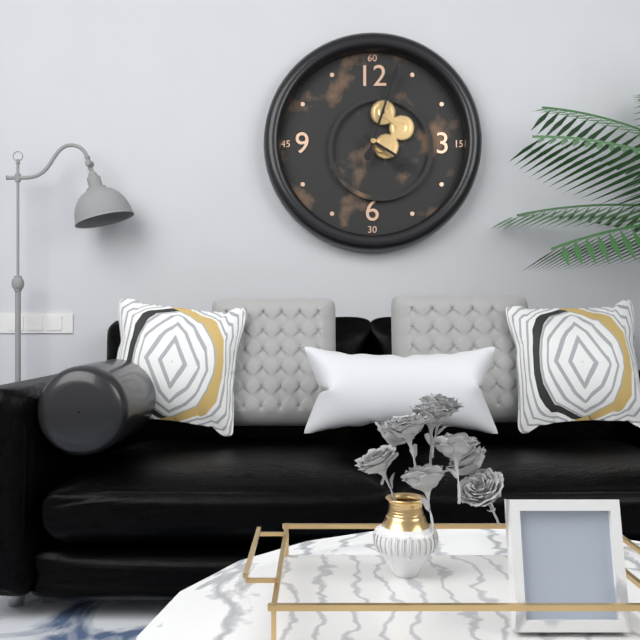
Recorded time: 4:03
